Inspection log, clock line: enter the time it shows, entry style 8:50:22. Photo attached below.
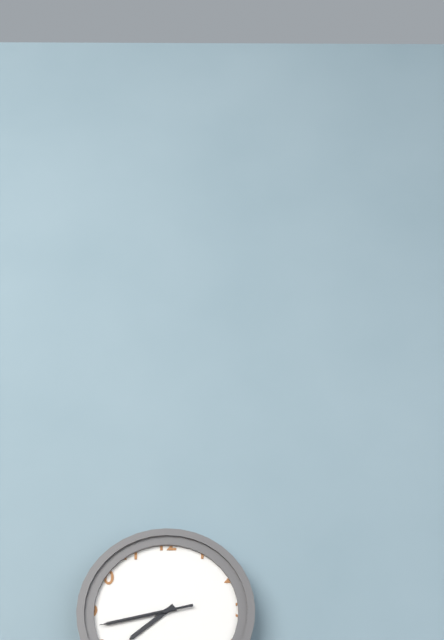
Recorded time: 7:43:43
